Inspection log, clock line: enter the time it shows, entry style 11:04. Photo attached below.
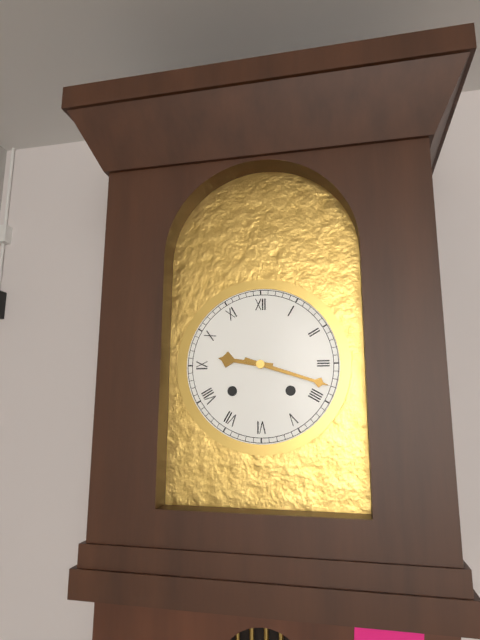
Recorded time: 9:18
